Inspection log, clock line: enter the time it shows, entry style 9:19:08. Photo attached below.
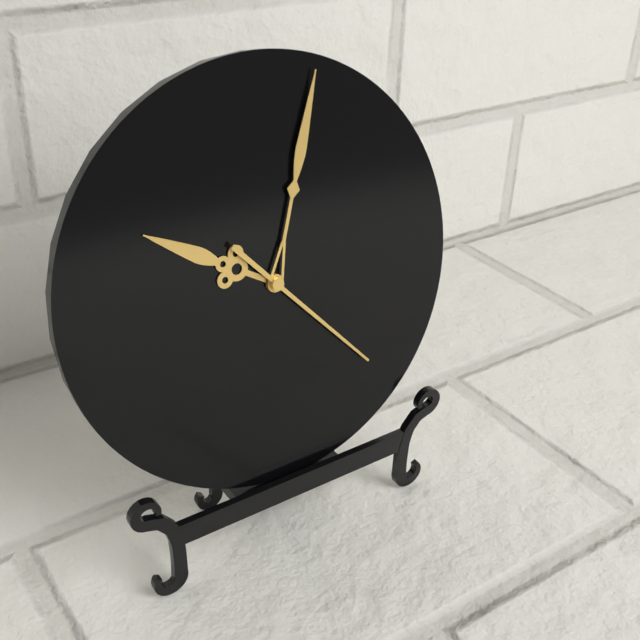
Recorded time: 10:03:23
